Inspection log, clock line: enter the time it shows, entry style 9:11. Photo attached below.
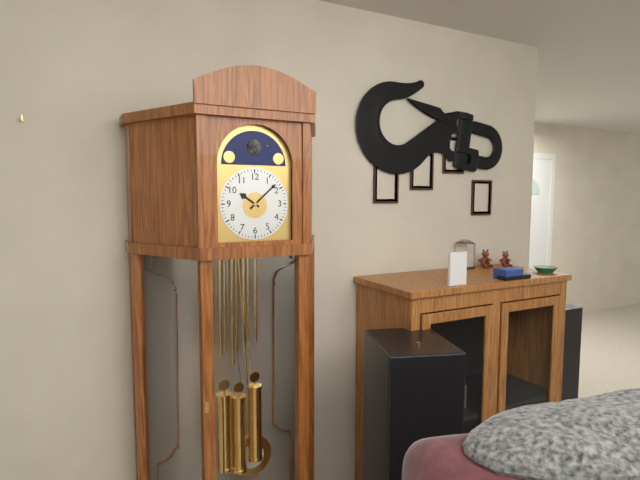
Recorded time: 10:08
